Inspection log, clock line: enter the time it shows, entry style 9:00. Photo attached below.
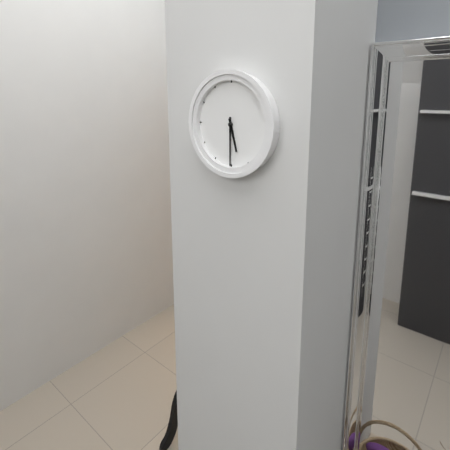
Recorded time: 5:30
